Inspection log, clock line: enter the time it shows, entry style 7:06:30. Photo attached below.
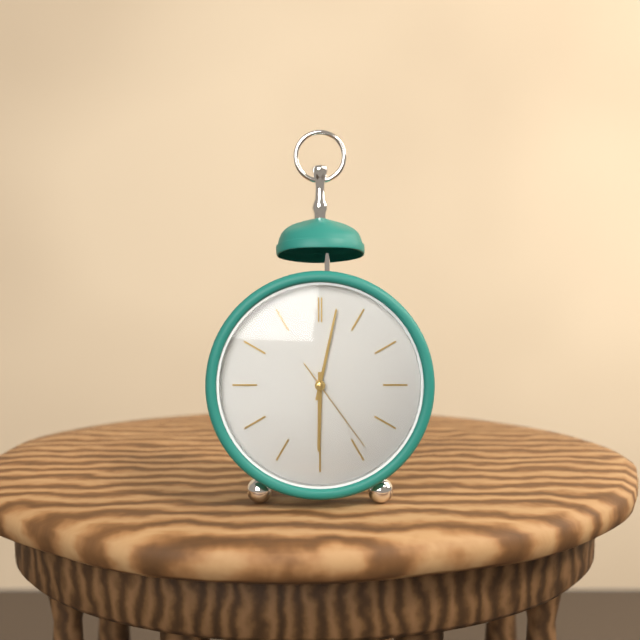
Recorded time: 6:02:24
